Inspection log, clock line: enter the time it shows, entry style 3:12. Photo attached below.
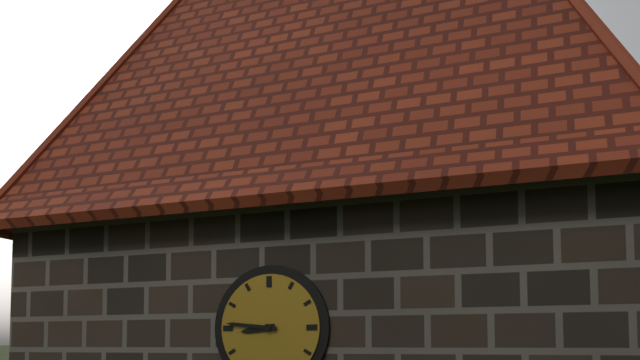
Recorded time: 8:46
